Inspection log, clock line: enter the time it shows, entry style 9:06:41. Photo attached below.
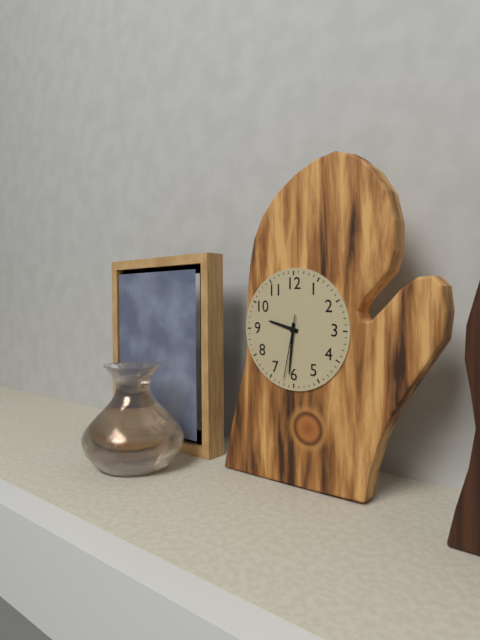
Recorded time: 9:31:32
